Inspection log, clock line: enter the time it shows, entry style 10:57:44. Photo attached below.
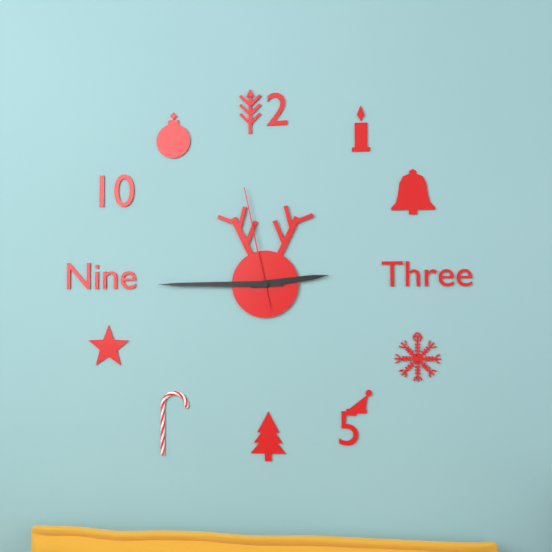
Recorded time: 2:45:58
